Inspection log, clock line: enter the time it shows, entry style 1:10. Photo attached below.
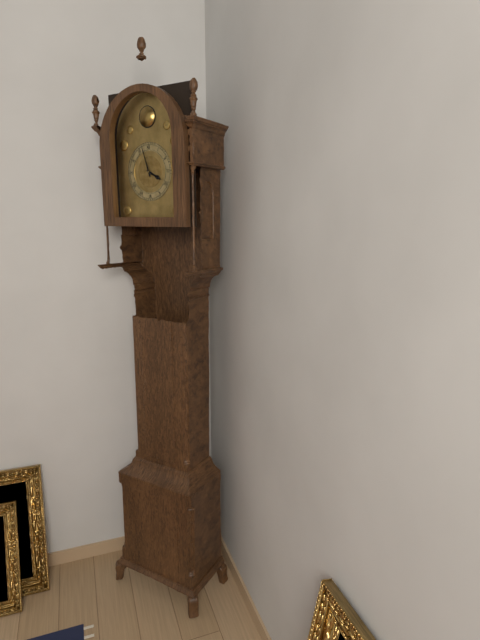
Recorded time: 3:57
